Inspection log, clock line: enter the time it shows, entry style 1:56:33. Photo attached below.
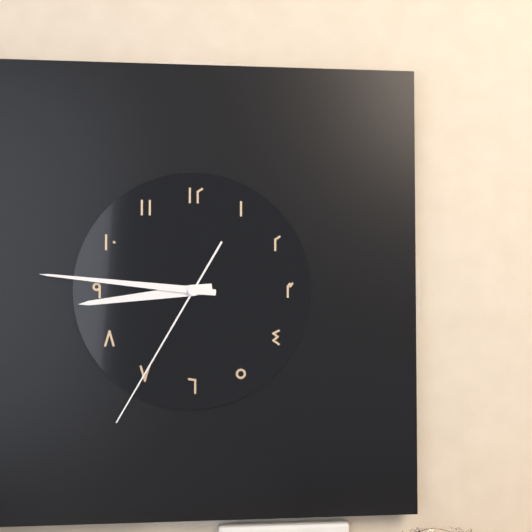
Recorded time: 8:46:35
